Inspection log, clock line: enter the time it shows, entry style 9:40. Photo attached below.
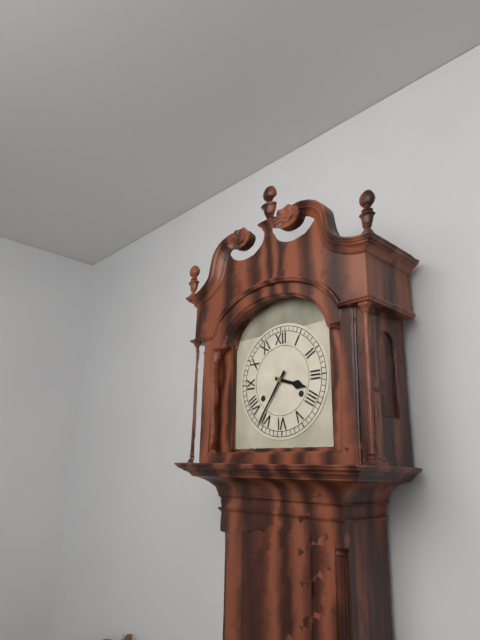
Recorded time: 3:36
